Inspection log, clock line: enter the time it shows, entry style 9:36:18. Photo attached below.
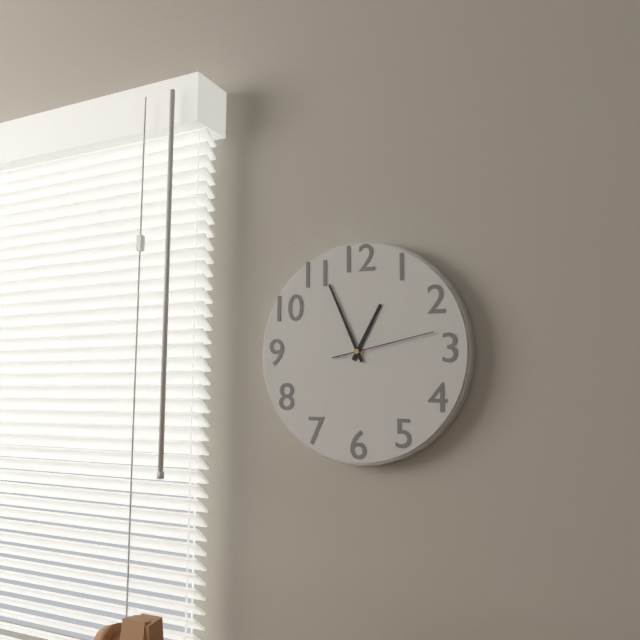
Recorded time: 12:56:13
